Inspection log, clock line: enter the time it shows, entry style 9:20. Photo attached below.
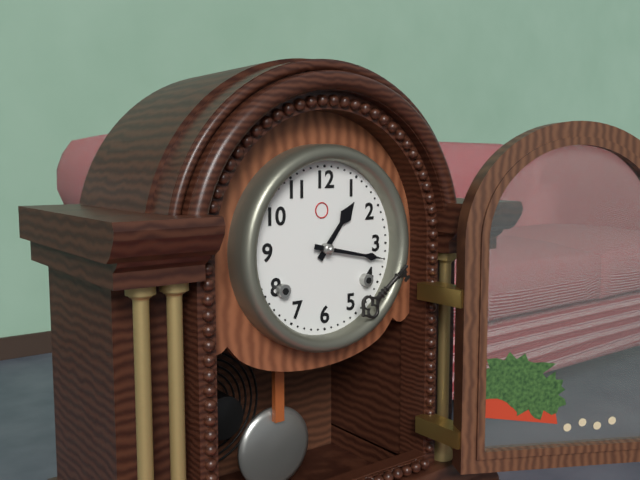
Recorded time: 1:17
